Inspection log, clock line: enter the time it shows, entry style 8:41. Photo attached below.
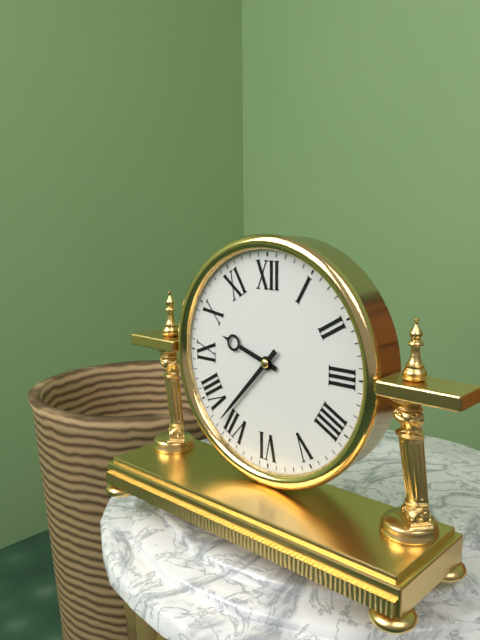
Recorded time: 9:37
